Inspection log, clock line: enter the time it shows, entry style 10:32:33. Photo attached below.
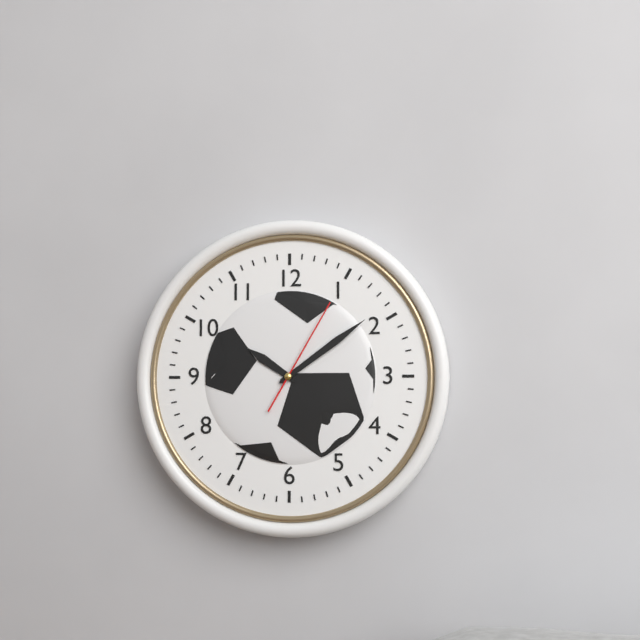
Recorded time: 10:09:05
